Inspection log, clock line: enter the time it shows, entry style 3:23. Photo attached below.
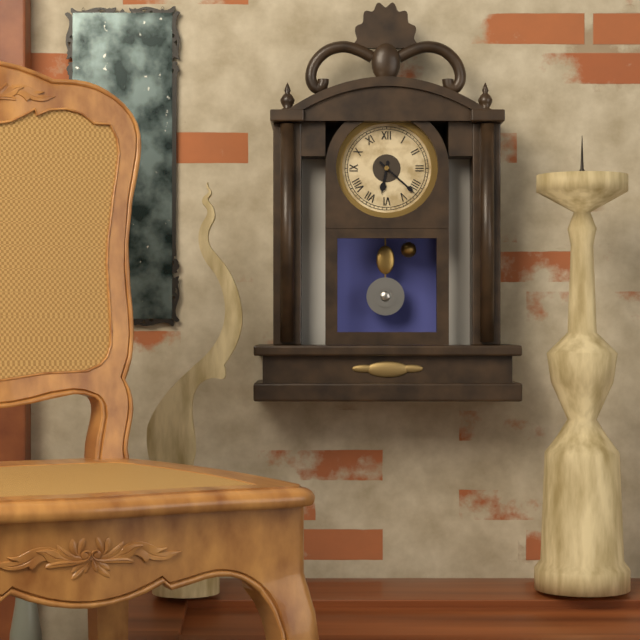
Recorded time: 6:22
